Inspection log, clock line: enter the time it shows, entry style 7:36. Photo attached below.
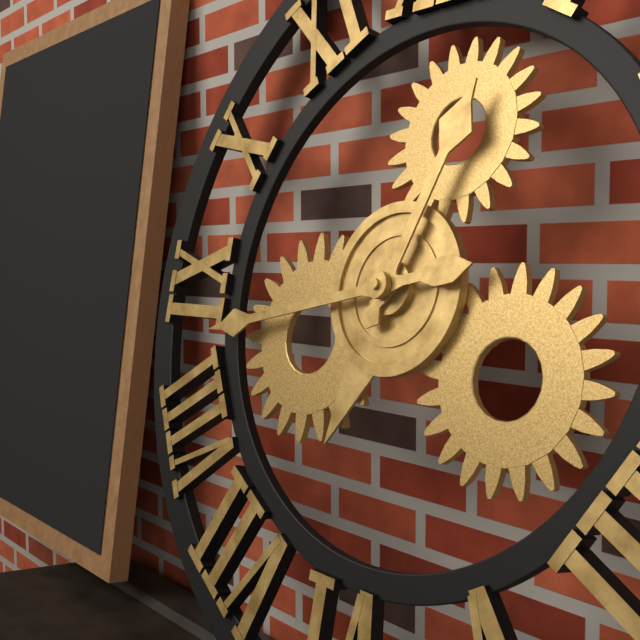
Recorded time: 12:43
